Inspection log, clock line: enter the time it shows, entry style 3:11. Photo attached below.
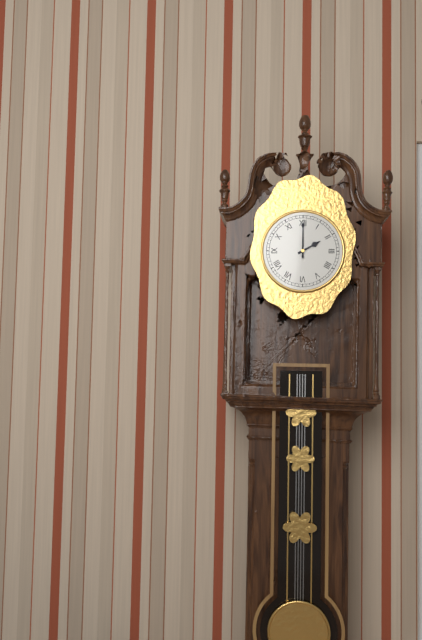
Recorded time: 2:00
